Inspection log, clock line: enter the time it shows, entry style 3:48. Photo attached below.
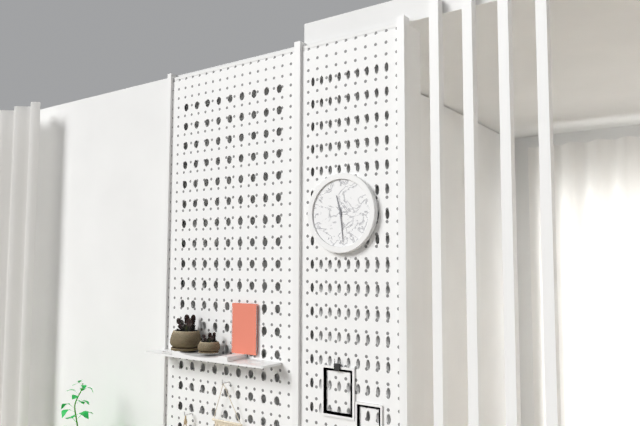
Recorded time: 11:29
